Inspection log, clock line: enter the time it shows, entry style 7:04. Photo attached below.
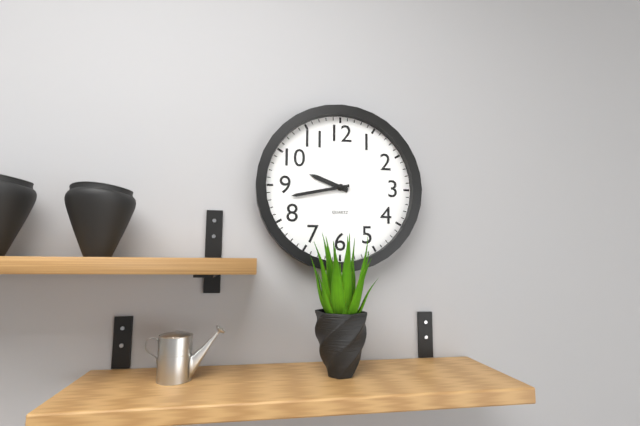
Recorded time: 9:43
